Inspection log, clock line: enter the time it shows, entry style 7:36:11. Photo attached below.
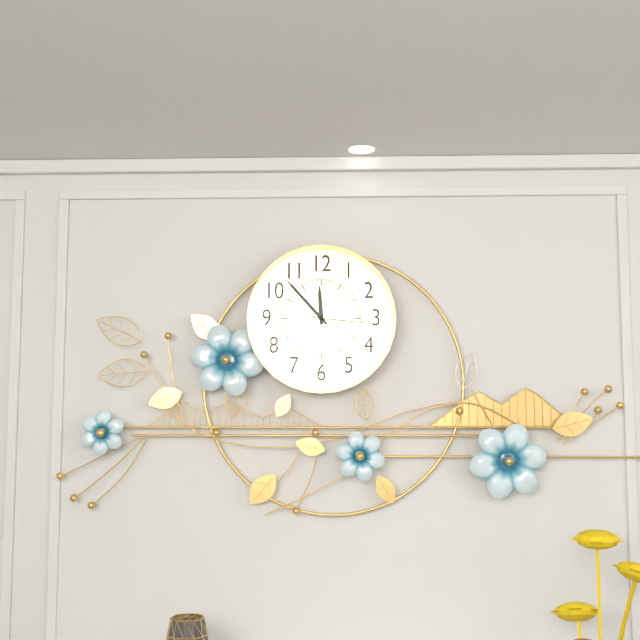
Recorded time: 11:53:16
